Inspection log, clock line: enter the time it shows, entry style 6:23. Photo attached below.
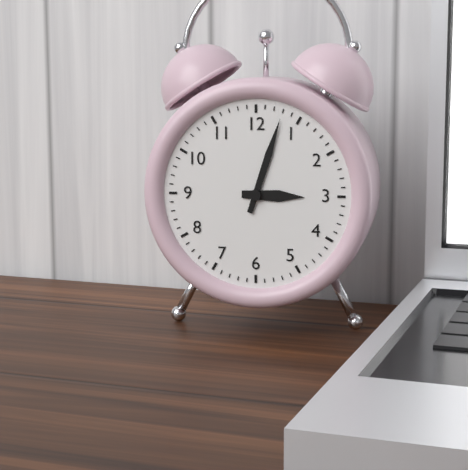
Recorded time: 3:03
